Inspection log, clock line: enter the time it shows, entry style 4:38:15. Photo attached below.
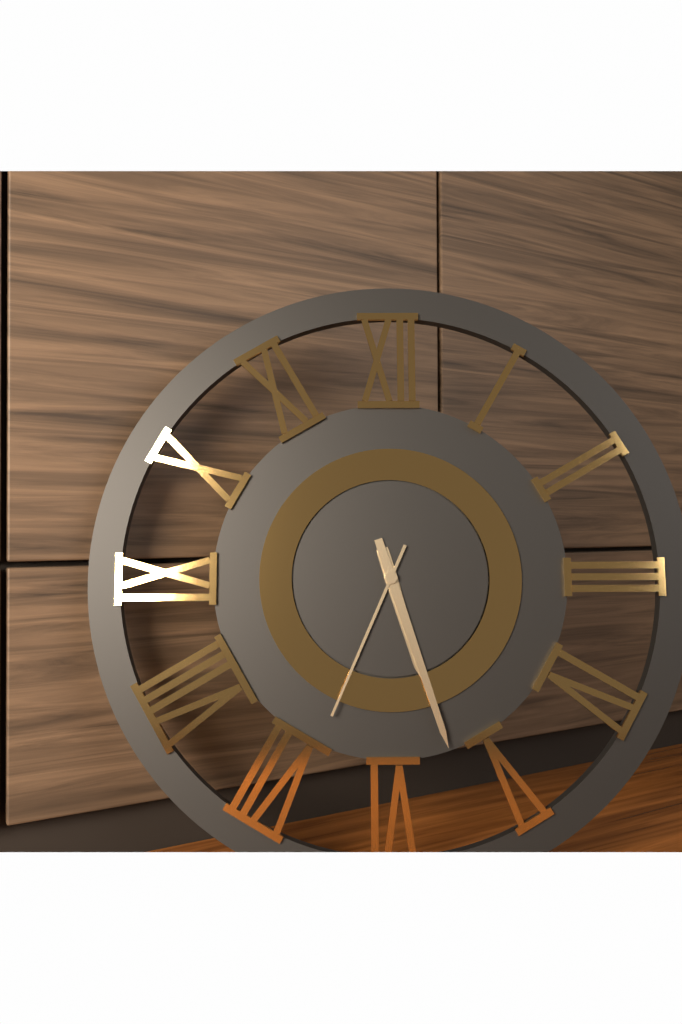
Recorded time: 5:27:34
